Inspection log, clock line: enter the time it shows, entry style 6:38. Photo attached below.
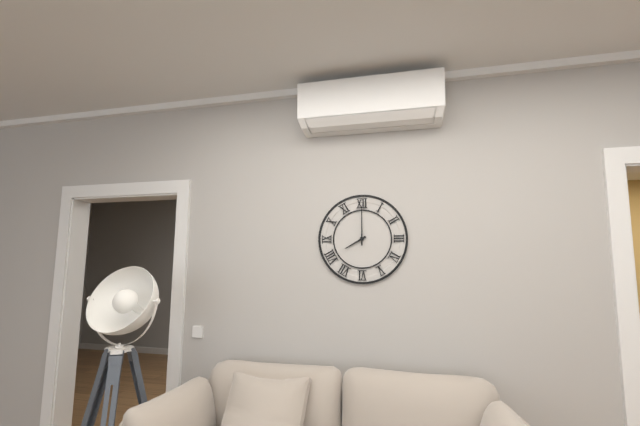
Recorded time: 8:00
